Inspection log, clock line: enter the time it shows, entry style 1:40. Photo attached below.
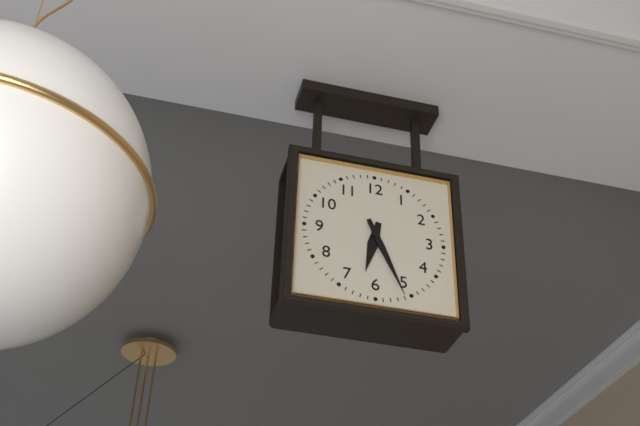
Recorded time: 6:26
